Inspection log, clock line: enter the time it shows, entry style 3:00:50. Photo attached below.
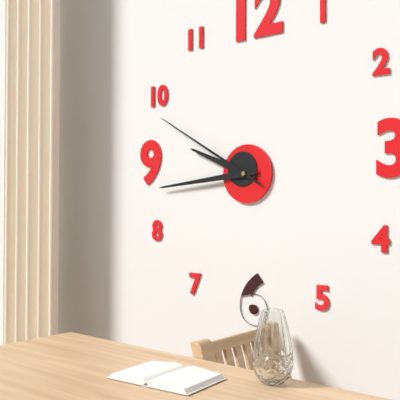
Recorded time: 9:44:50
